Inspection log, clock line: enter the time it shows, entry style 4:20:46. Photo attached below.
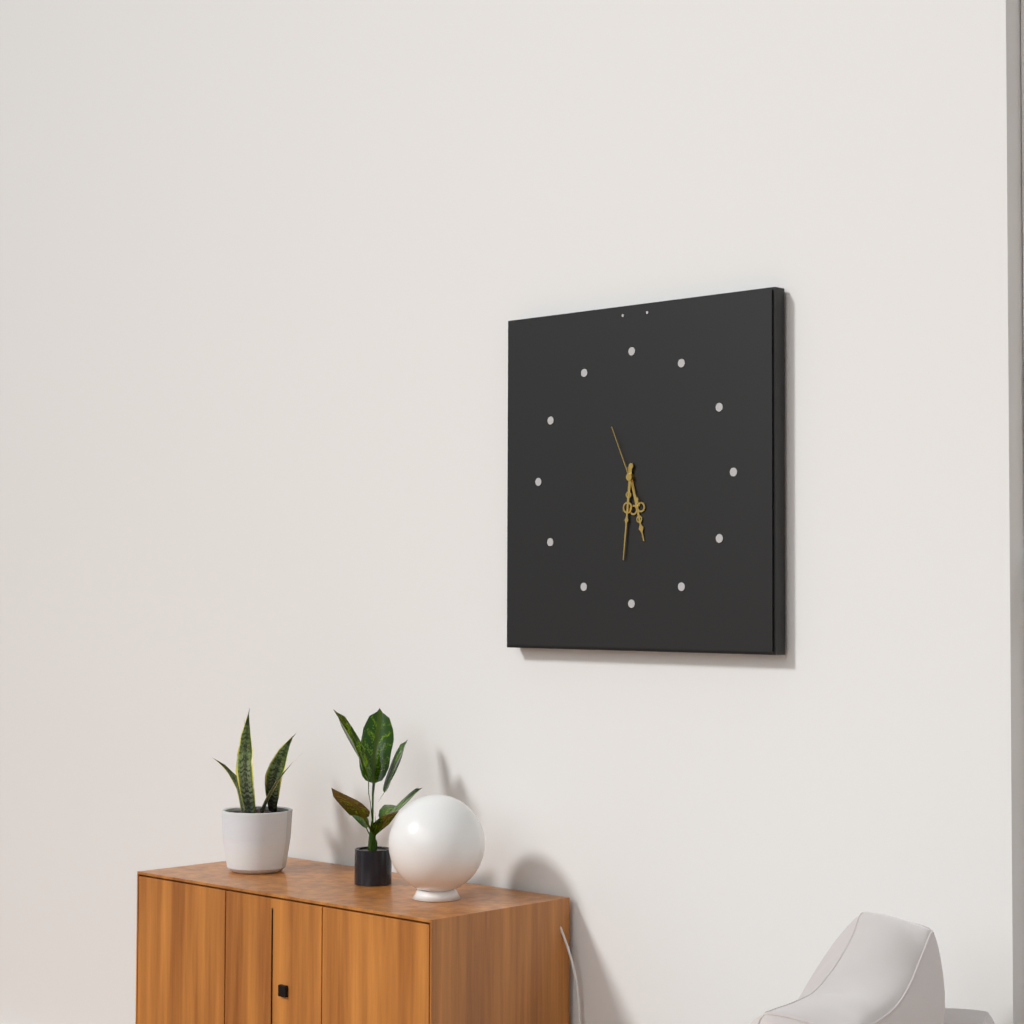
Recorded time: 5:31:56
